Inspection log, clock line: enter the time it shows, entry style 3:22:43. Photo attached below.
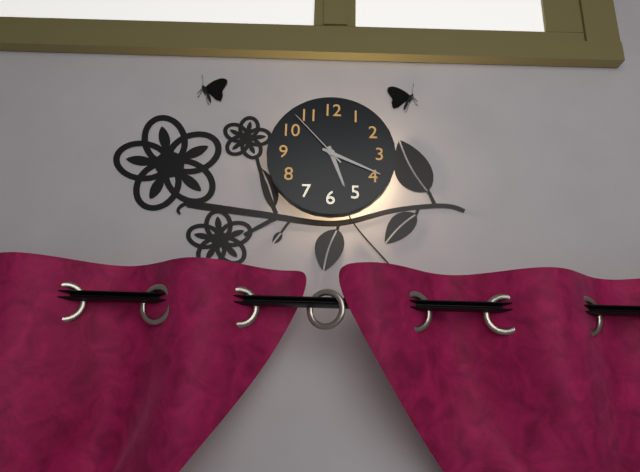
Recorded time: 5:19:53
